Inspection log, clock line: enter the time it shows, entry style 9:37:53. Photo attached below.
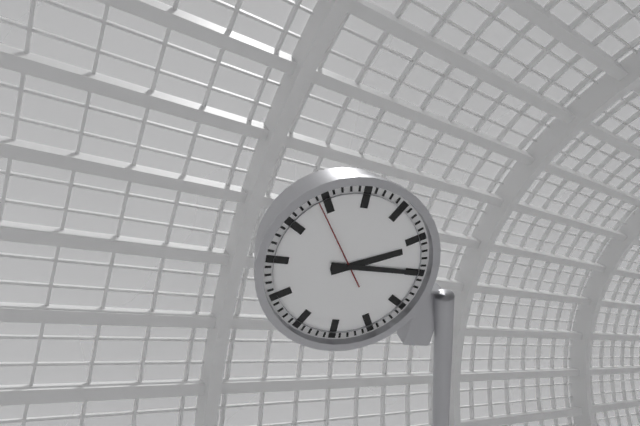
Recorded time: 2:15:54
